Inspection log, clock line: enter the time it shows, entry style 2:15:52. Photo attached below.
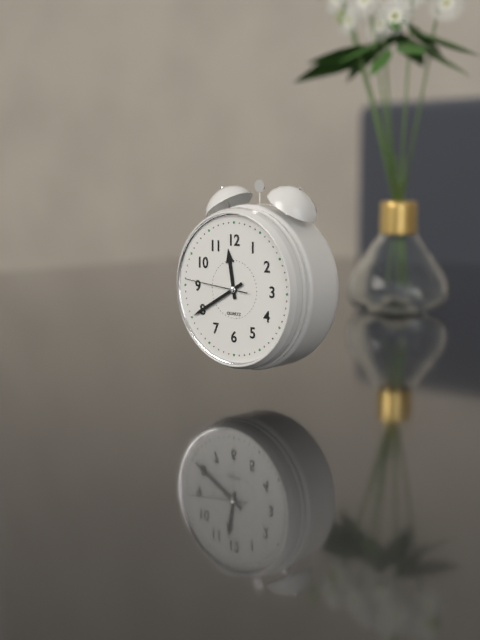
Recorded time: 11:40:46
